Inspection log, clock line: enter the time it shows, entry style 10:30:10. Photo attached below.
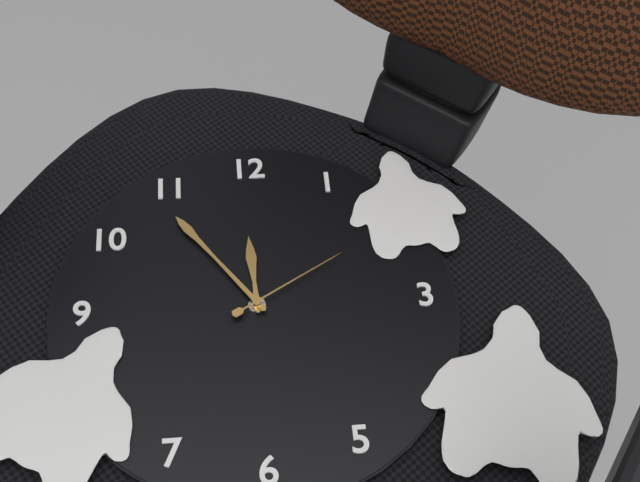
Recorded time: 11:54:10
